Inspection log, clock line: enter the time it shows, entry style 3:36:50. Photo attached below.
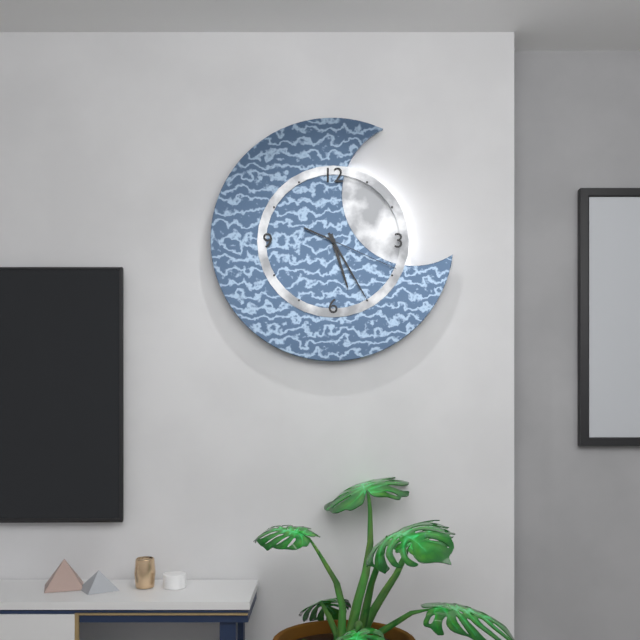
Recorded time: 5:25:19
